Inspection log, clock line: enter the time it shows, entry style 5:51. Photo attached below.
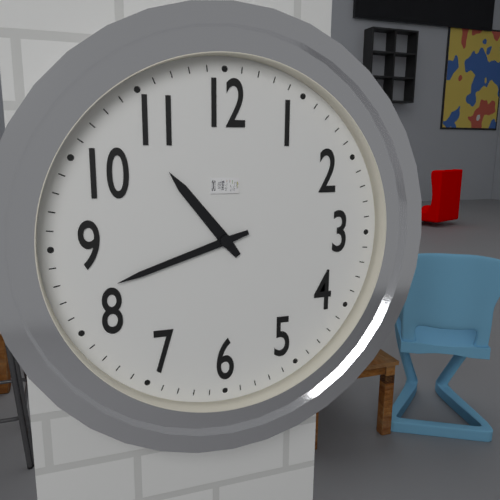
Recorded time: 10:42
